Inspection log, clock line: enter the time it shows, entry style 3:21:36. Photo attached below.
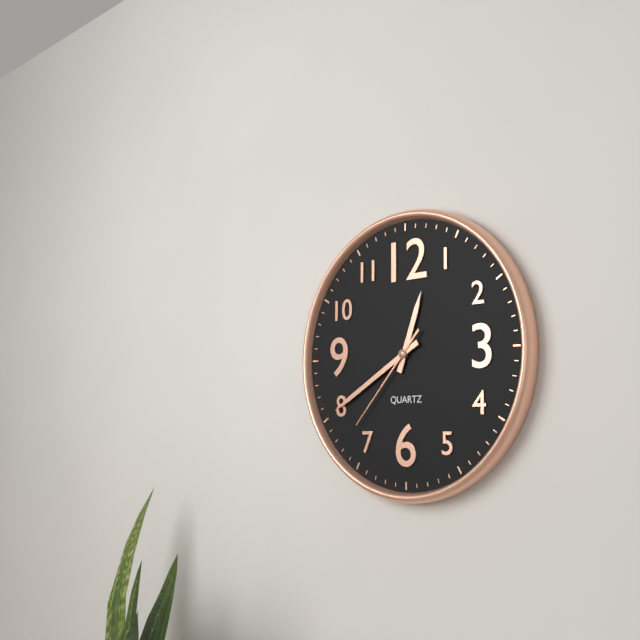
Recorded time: 12:40:37
